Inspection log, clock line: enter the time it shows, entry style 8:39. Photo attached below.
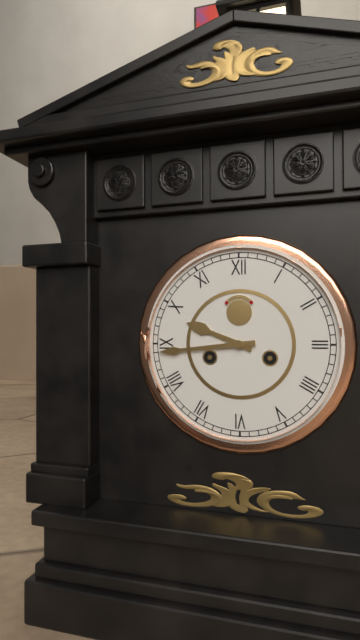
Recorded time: 9:44
